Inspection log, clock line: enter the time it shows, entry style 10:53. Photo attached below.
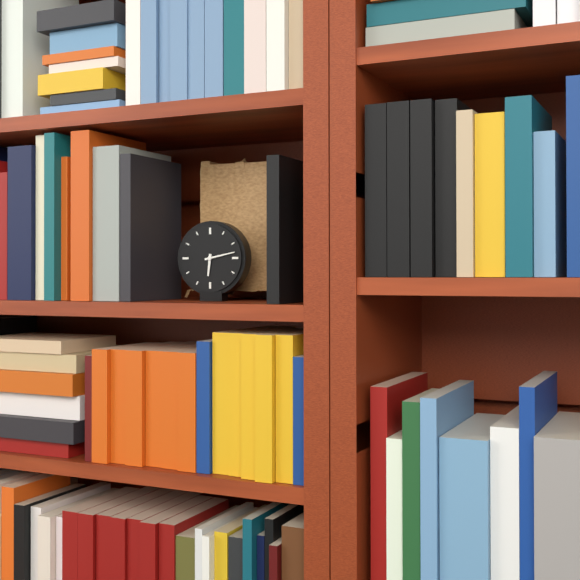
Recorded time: 6:13
